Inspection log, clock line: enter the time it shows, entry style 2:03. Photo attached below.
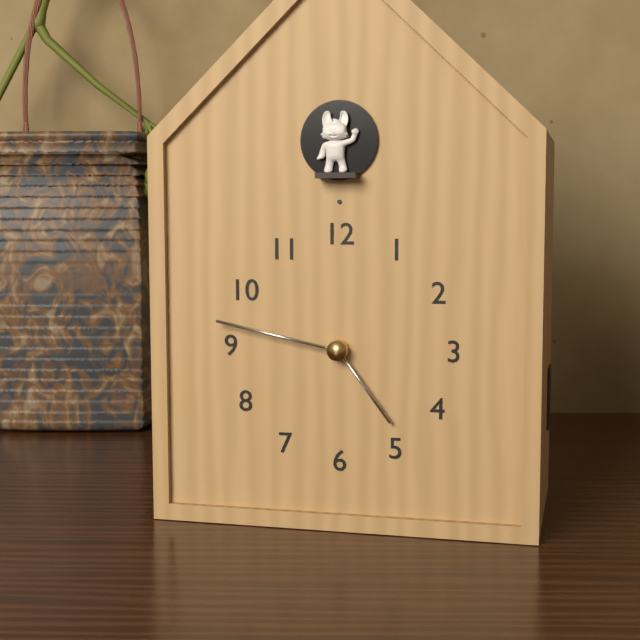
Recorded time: 4:47
